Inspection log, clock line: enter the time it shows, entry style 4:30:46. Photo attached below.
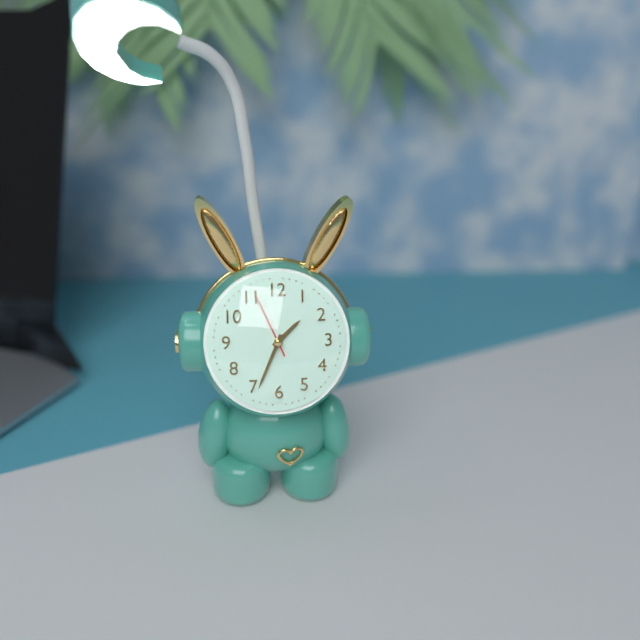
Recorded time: 1:34:56
